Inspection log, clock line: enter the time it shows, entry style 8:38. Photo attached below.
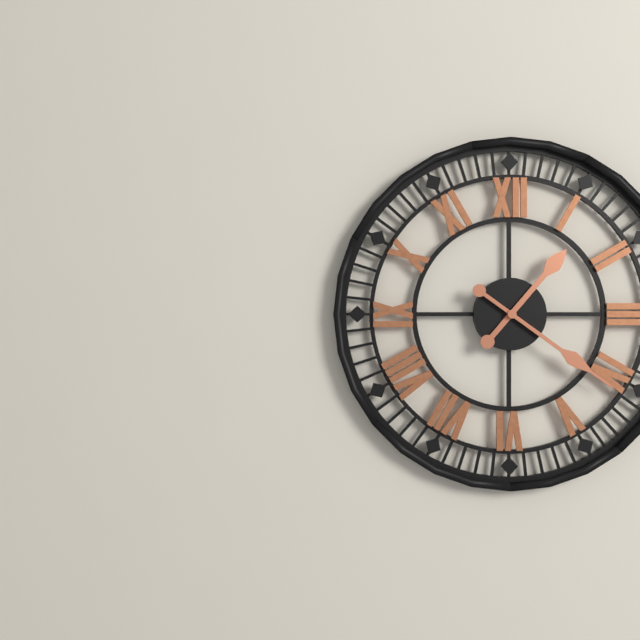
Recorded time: 1:21
